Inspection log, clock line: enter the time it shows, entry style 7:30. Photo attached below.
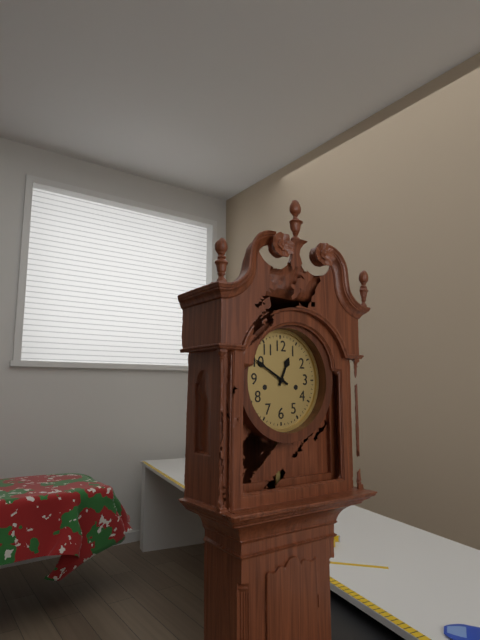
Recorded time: 12:50
